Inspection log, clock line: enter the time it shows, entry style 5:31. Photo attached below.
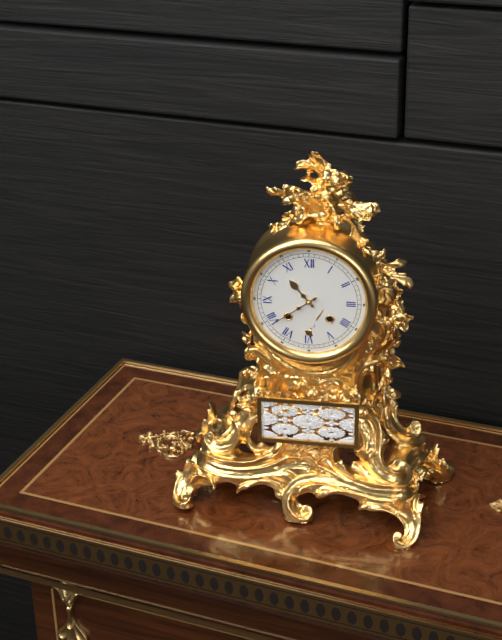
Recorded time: 10:39
